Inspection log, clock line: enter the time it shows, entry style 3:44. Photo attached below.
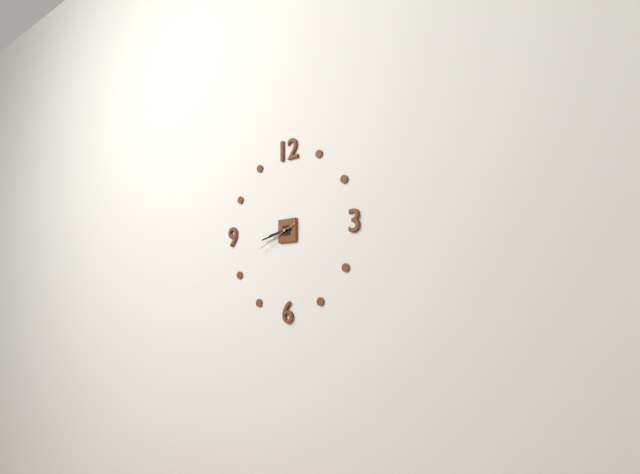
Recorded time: 8:43
